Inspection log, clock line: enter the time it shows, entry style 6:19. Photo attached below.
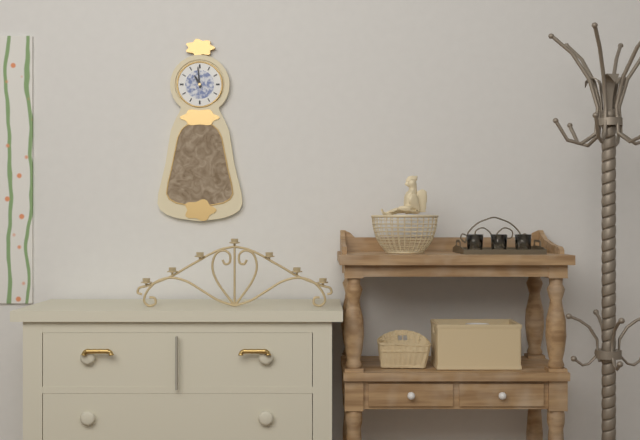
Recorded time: 10:59
